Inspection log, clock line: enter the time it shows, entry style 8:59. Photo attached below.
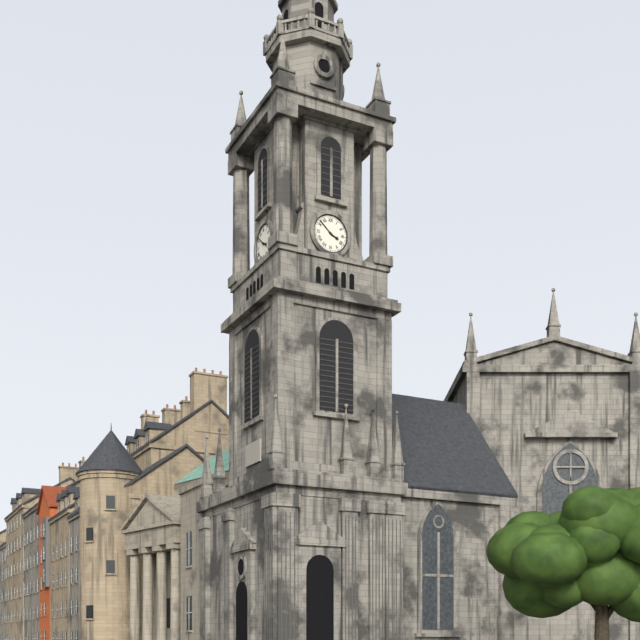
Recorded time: 3:52
